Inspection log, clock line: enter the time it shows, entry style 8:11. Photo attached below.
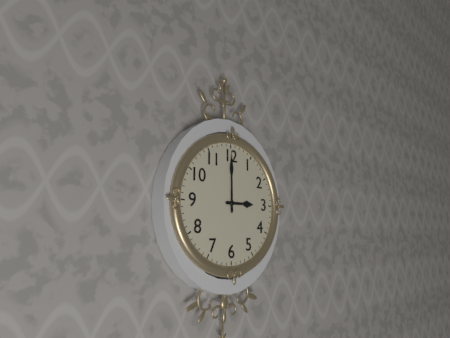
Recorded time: 3:00
